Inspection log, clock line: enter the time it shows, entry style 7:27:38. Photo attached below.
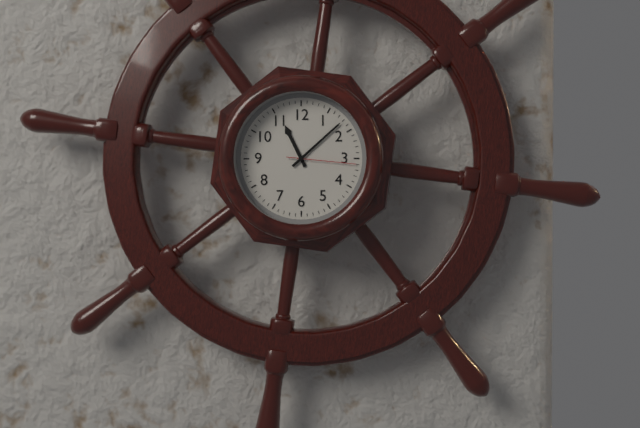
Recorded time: 11:08:16
